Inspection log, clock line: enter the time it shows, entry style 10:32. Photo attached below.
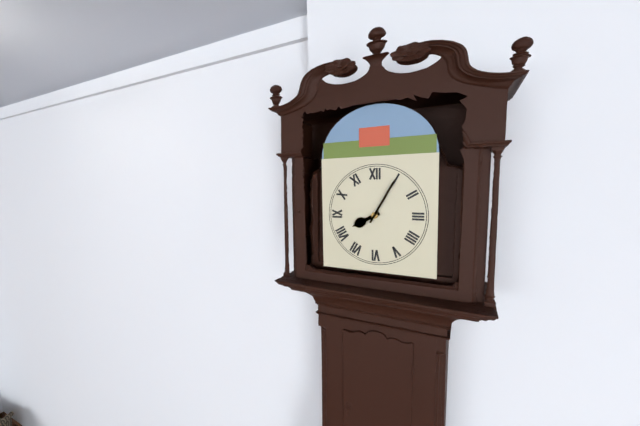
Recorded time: 8:05
